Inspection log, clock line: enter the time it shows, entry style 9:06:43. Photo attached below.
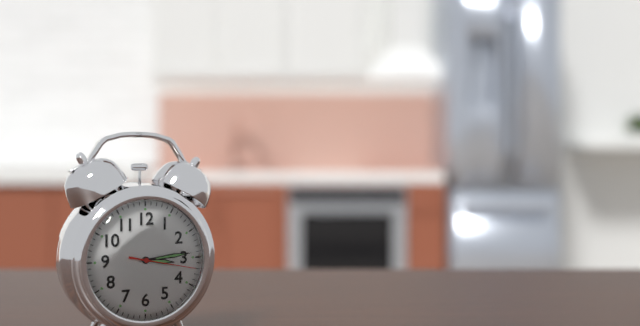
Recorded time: 3:14:17
